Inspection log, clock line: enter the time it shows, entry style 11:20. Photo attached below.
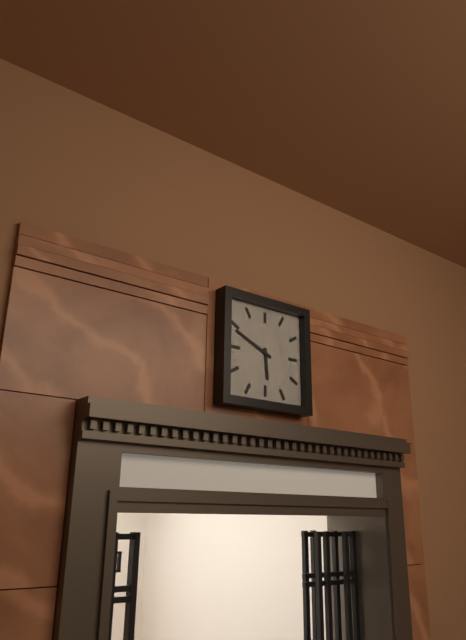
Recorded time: 5:49
